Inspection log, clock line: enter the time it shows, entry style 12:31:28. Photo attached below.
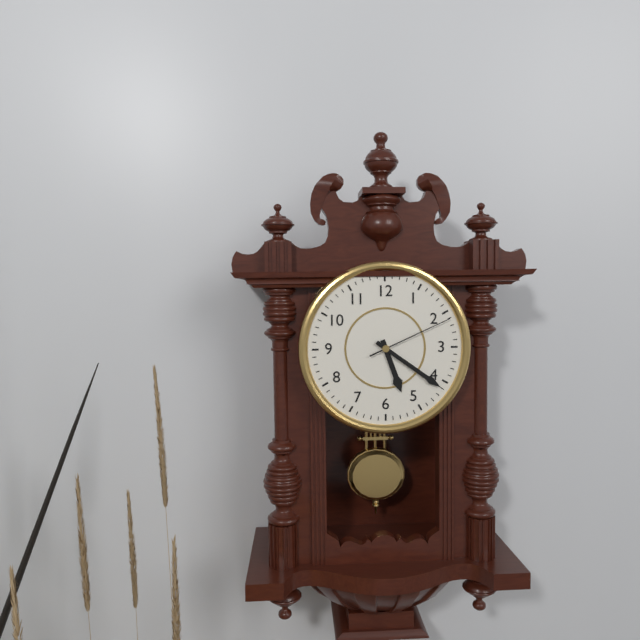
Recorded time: 5:21:11
